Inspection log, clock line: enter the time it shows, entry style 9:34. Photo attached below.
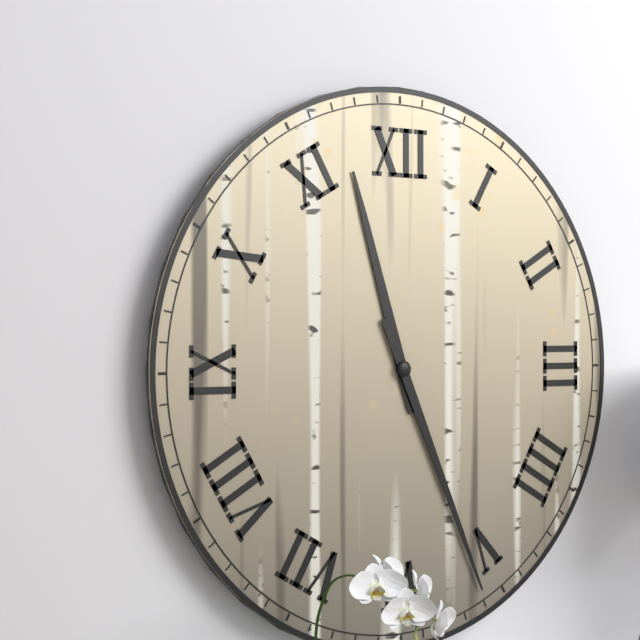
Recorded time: 11:26
